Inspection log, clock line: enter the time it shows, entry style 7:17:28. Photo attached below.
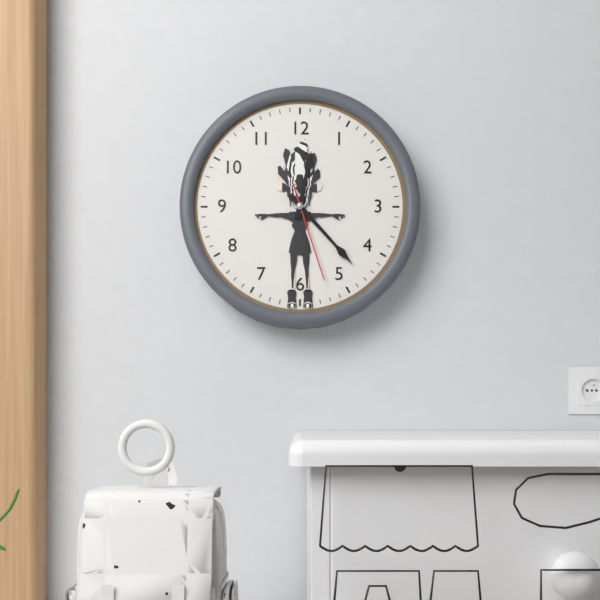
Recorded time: 12:23:27
